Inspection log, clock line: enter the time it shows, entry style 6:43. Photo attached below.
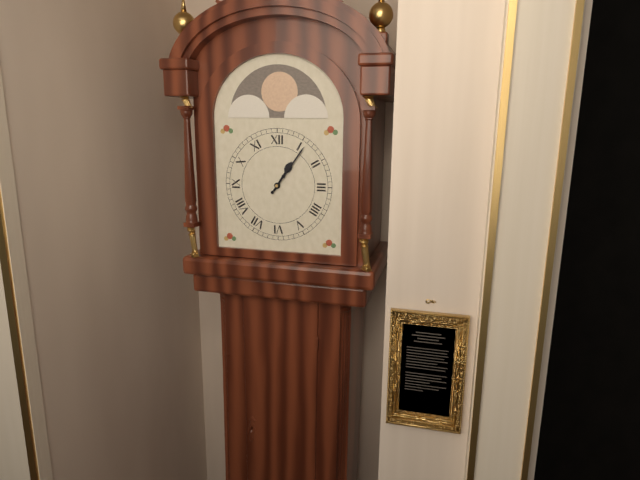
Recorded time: 1:06
